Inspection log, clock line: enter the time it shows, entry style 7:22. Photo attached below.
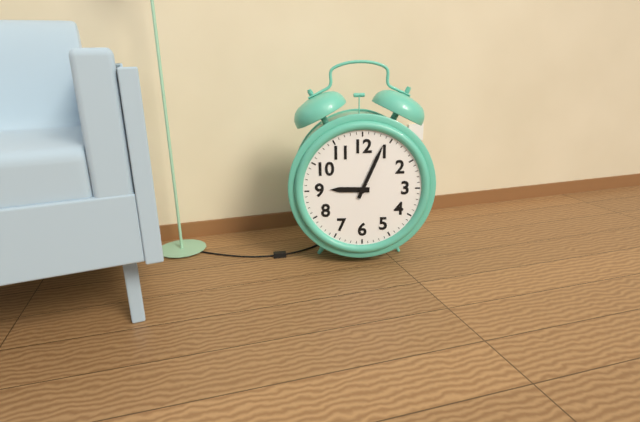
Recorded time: 9:04
